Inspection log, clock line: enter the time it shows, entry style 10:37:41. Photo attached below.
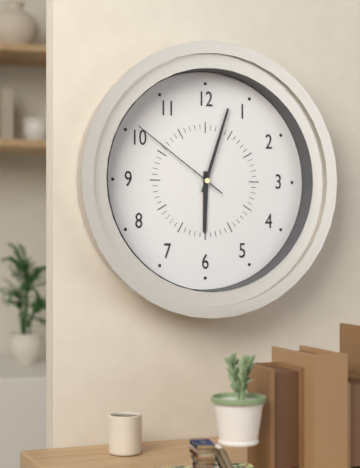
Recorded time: 6:03:51
